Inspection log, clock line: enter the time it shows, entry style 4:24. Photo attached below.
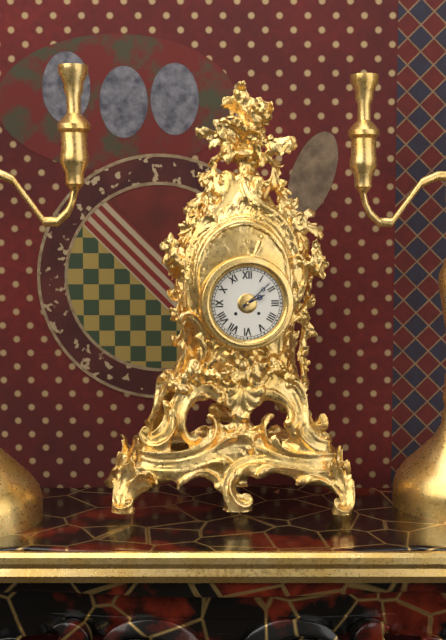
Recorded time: 2:08
